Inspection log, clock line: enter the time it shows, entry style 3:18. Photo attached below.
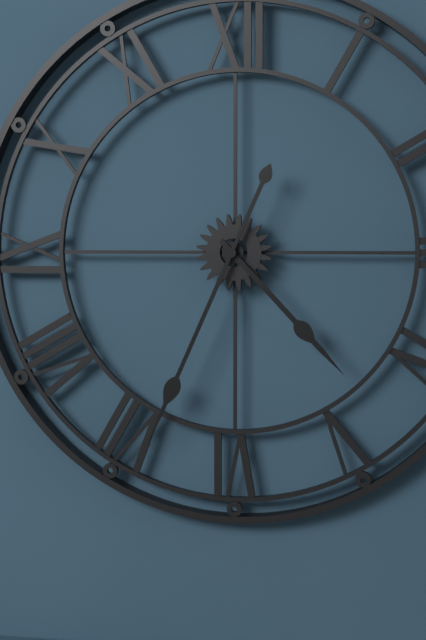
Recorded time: 4:34
